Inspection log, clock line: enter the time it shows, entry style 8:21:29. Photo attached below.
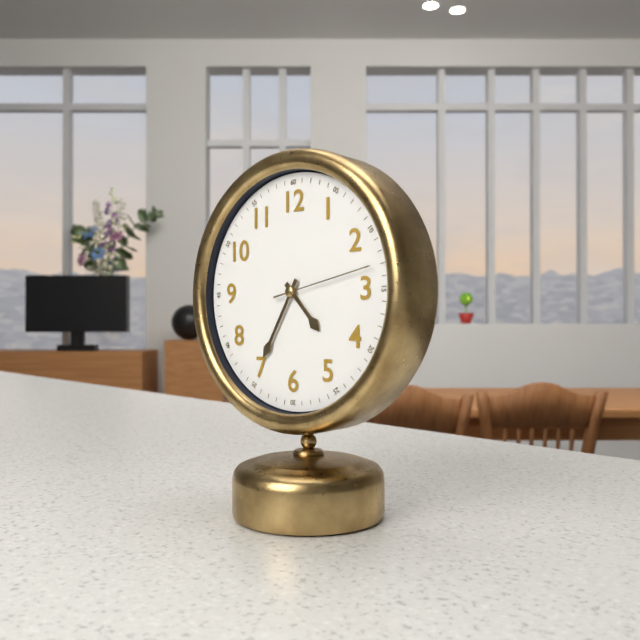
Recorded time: 4:35:13
